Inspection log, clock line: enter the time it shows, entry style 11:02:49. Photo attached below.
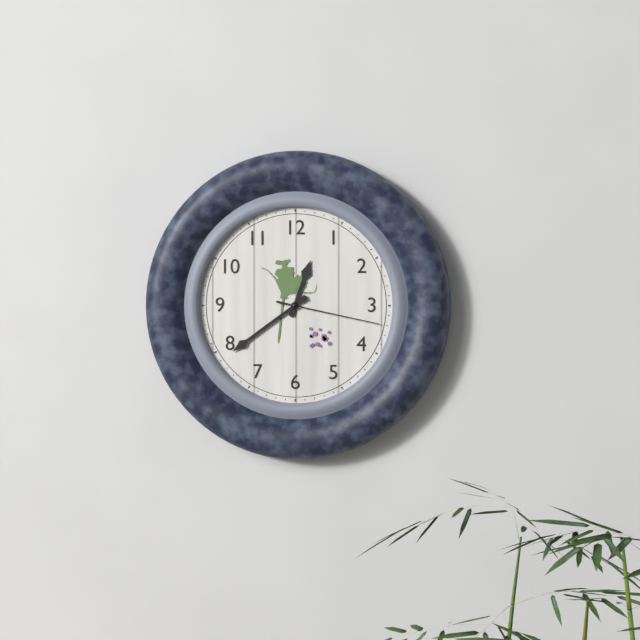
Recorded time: 12:39:17
